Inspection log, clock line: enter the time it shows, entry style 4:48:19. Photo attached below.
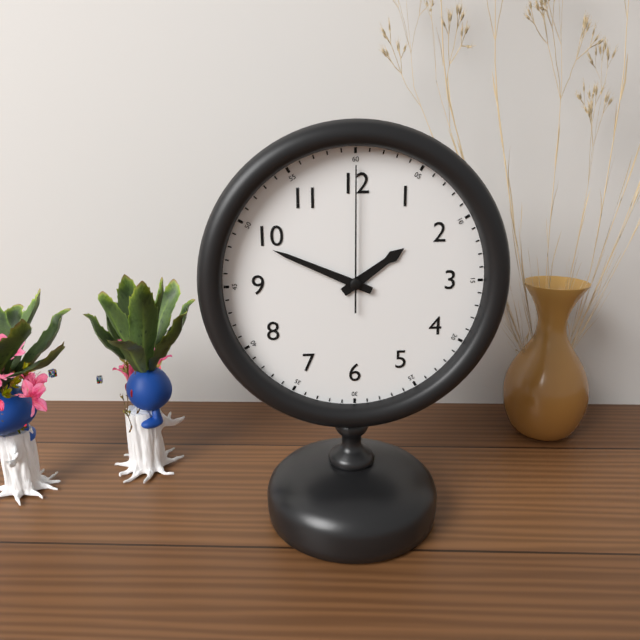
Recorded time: 1:49:00
